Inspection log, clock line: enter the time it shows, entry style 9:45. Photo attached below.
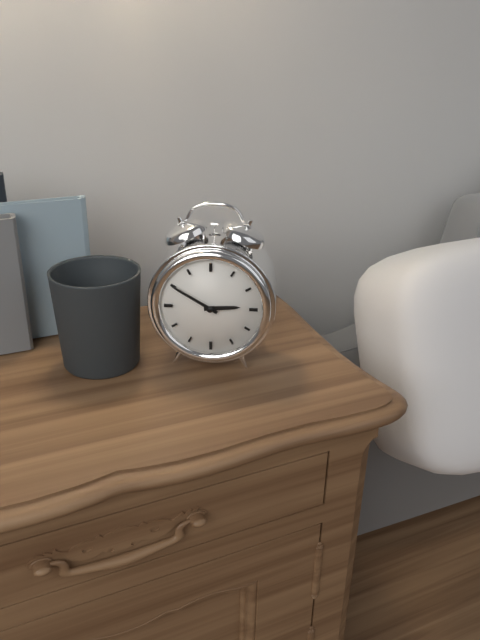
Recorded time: 2:50
